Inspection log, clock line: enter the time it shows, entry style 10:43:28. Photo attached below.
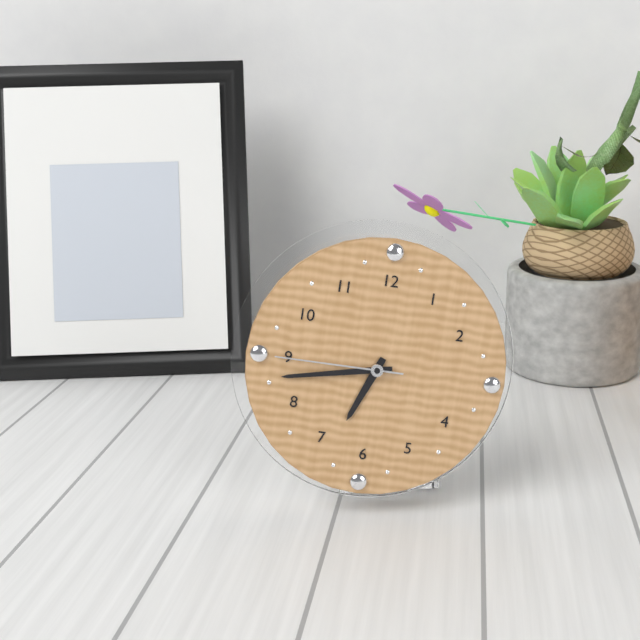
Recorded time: 6:43:45
